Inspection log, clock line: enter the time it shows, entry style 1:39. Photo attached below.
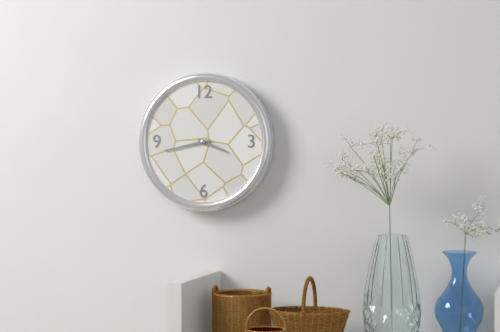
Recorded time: 3:43
